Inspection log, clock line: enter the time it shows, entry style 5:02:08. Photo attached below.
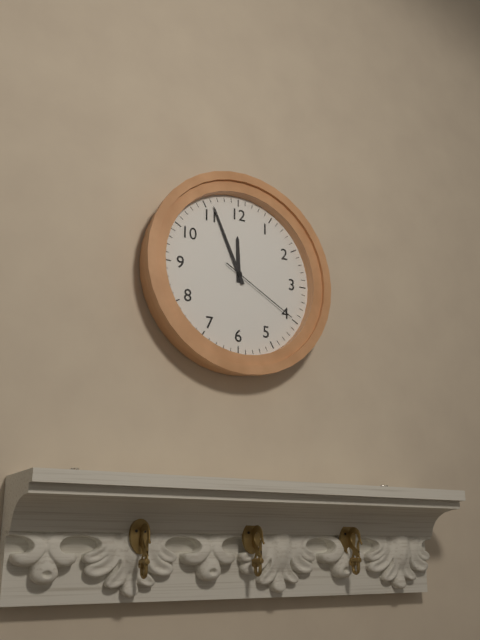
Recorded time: 11:56:20
